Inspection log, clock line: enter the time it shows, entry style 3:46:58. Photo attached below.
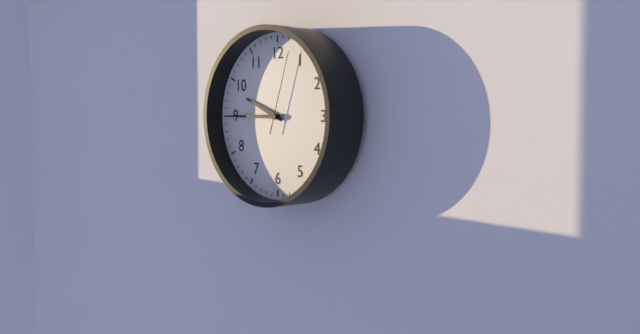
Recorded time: 9:45:03
